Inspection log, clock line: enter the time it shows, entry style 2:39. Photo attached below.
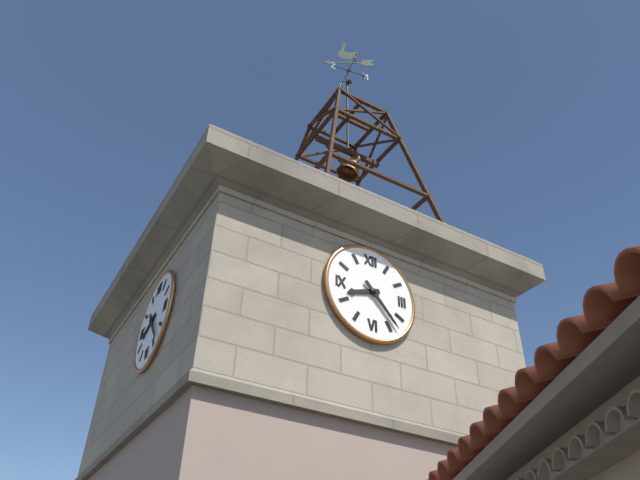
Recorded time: 8:23
